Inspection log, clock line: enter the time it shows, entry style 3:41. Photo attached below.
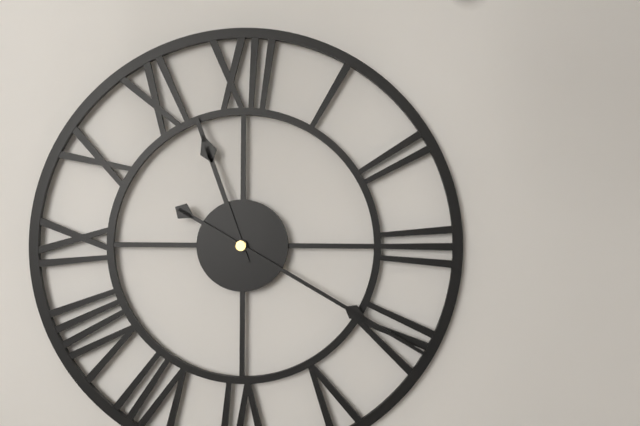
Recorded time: 11:20
